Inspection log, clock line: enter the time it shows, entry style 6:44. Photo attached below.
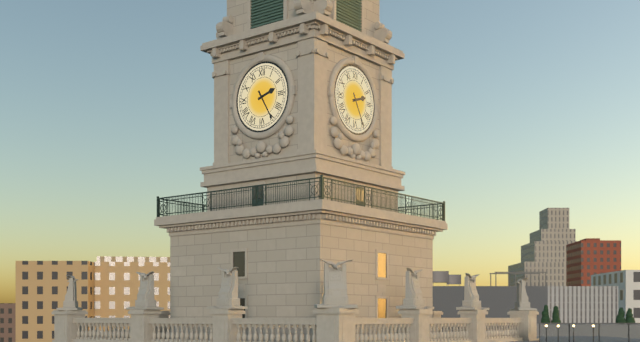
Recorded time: 2:25
